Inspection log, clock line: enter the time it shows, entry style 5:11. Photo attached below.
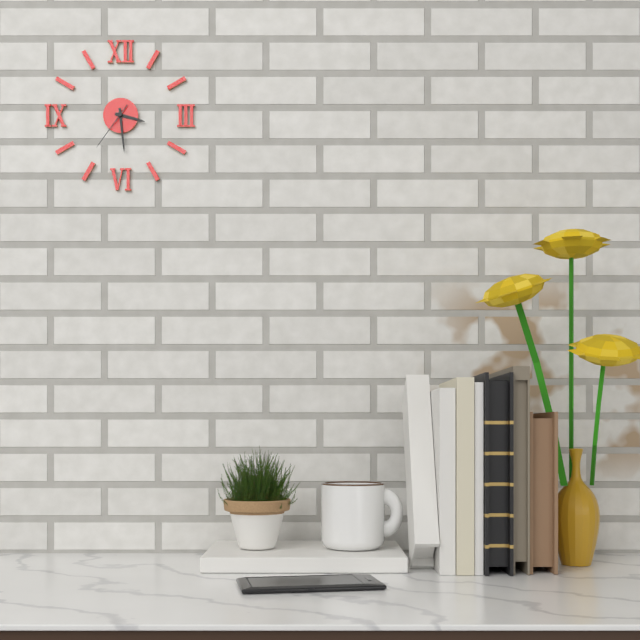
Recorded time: 3:29
